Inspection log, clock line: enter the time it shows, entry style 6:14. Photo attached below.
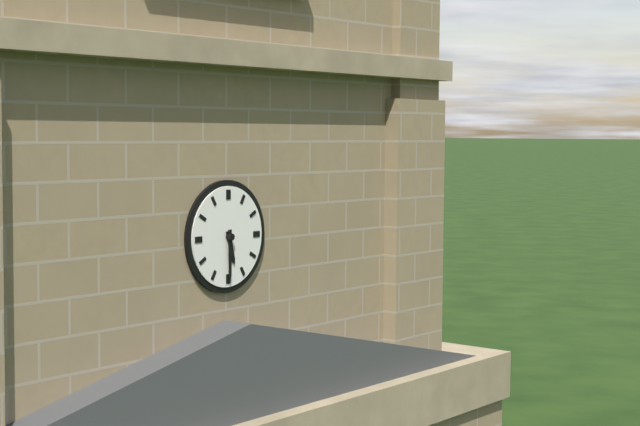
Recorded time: 5:30
